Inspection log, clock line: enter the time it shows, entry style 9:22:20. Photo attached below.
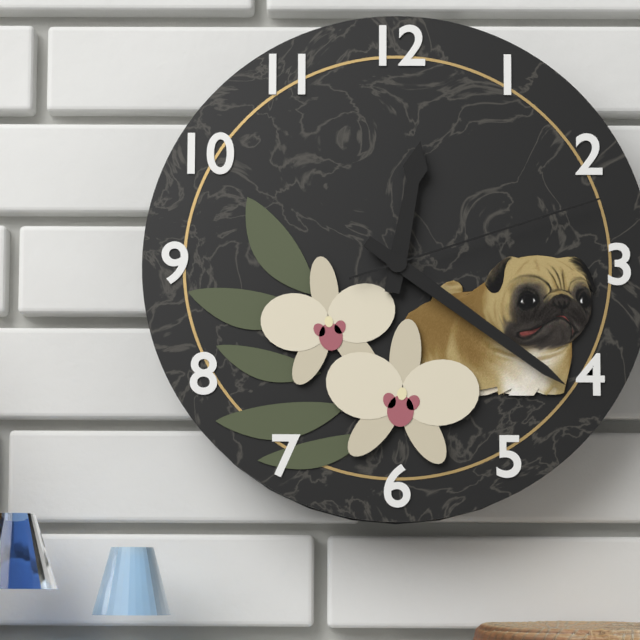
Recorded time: 12:21:12
